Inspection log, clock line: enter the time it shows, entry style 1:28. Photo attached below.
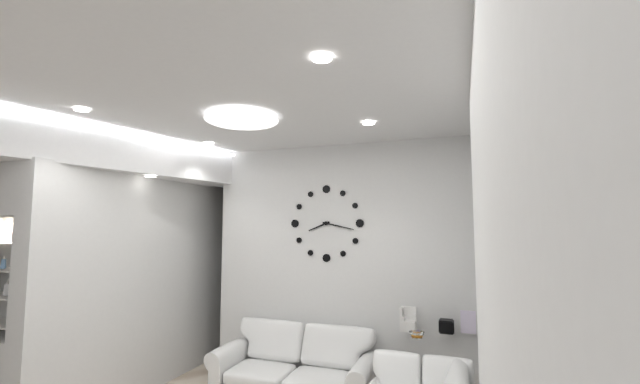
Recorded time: 8:17
